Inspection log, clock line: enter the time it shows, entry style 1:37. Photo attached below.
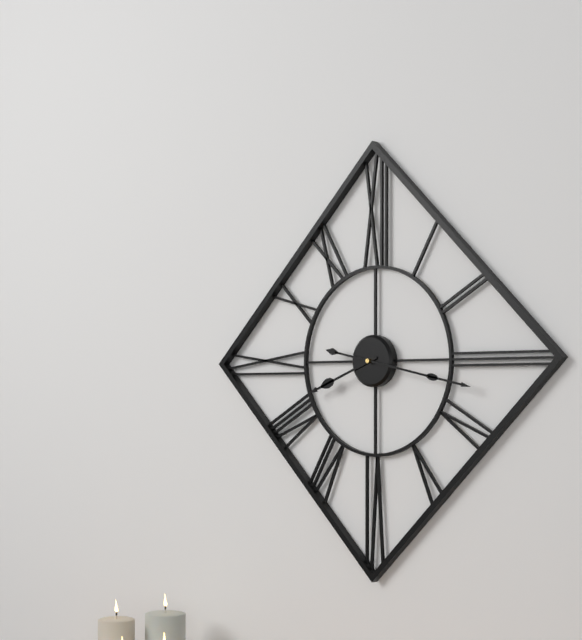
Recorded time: 8:17
